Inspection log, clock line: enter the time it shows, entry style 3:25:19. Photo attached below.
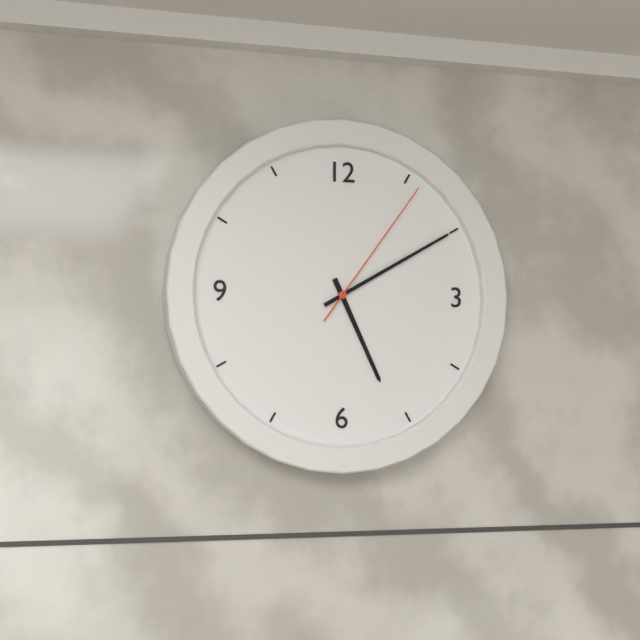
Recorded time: 5:10:06
